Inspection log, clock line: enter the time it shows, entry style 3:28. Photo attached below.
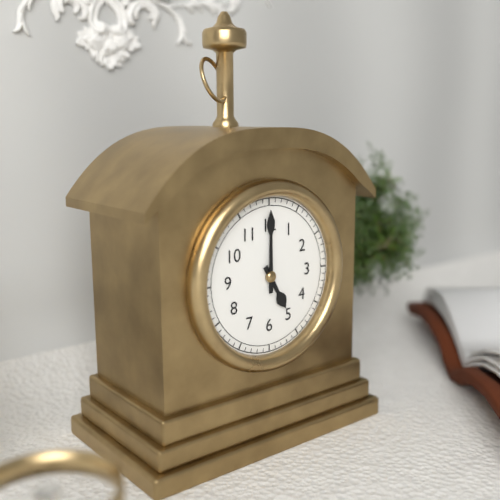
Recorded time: 5:00
